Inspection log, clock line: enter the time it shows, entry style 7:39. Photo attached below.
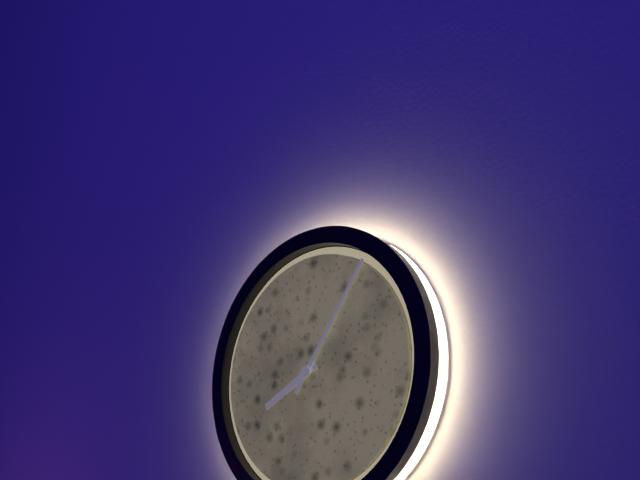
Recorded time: 8:06
